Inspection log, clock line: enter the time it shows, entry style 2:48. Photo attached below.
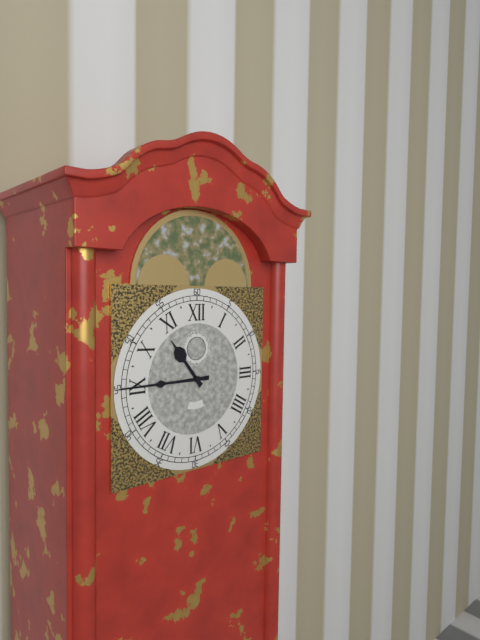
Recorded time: 10:45
